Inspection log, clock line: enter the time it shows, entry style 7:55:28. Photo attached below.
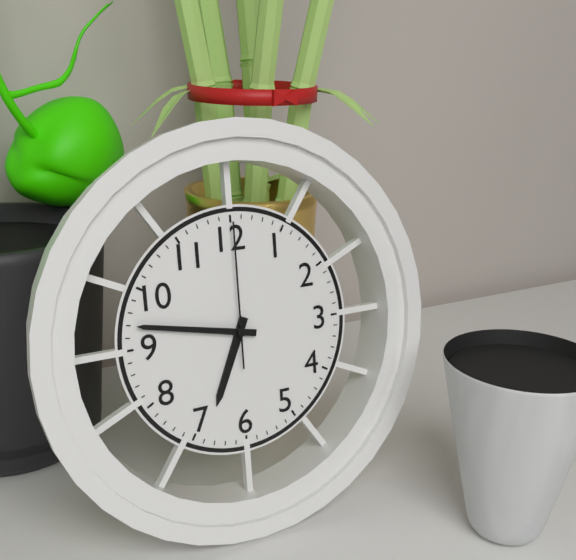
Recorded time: 6:47:00
